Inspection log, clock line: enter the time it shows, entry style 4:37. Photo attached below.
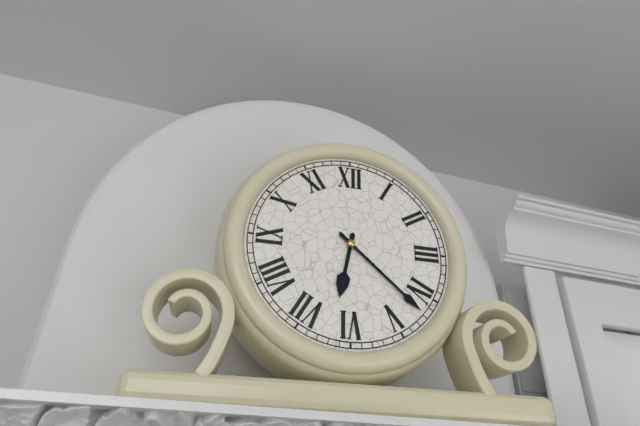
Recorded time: 6:22
